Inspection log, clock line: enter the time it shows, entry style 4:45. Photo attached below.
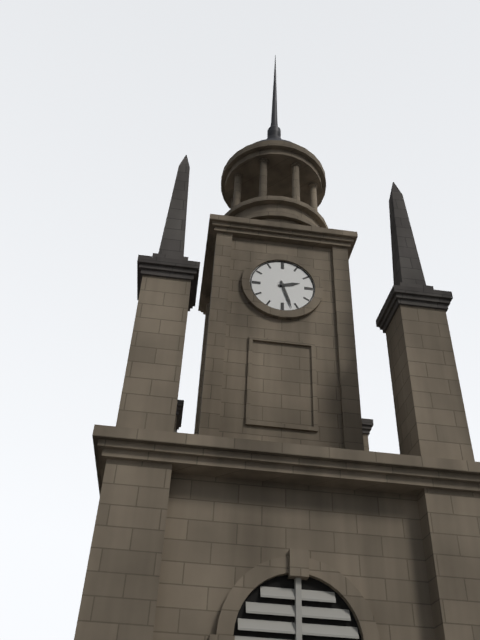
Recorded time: 2:27
